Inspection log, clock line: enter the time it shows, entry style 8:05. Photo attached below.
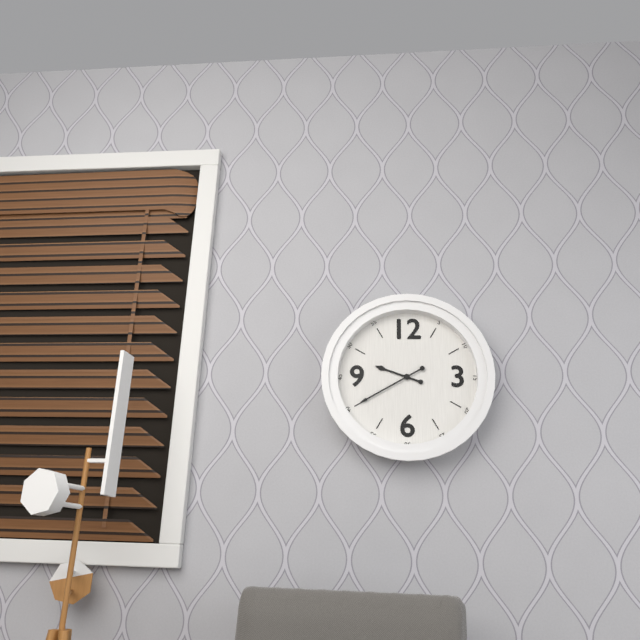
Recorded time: 9:40
